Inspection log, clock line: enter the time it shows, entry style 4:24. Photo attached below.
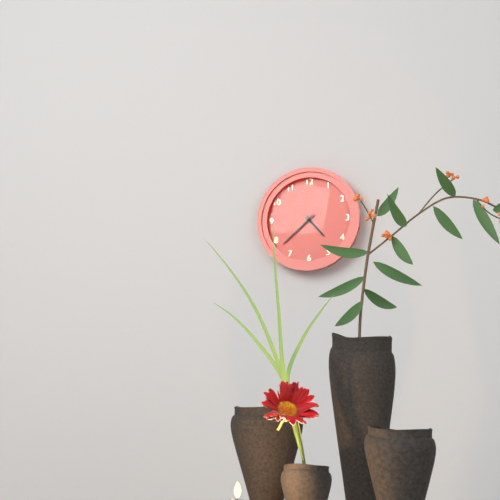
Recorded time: 4:38
